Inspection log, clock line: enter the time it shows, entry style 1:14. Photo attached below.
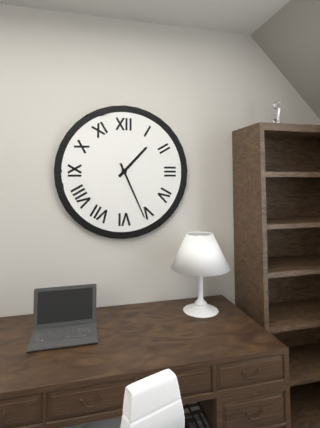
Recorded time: 1:26
